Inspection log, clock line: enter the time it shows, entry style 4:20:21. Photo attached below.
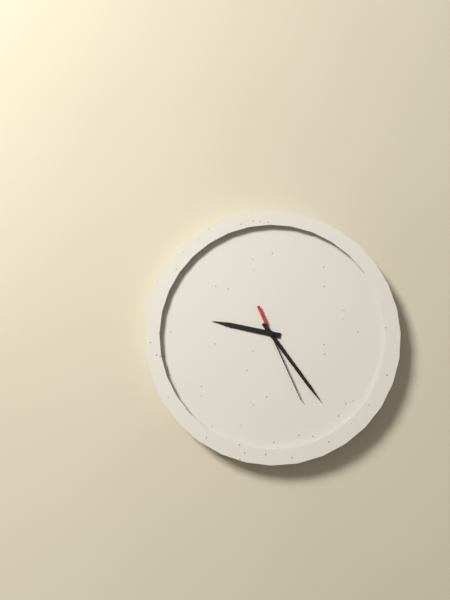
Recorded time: 9:24:26
